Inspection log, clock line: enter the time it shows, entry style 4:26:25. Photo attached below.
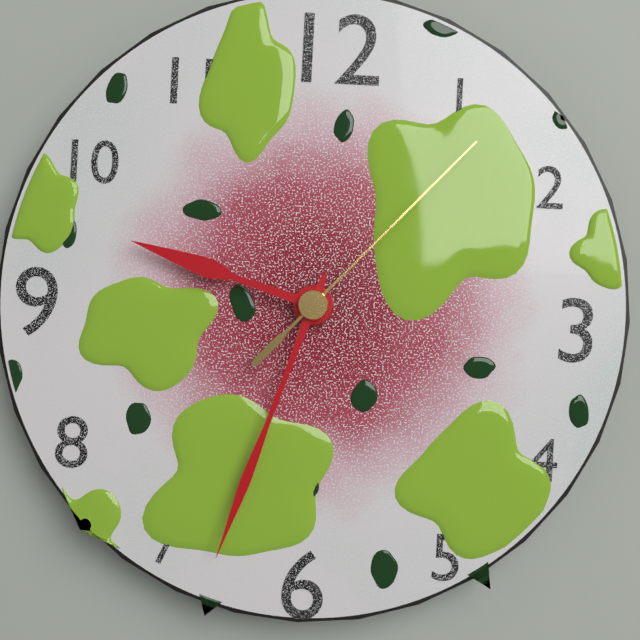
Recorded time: 9:33:07
